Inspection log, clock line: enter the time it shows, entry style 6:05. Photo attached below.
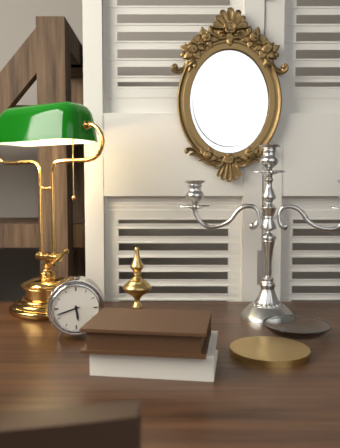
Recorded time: 5:42
